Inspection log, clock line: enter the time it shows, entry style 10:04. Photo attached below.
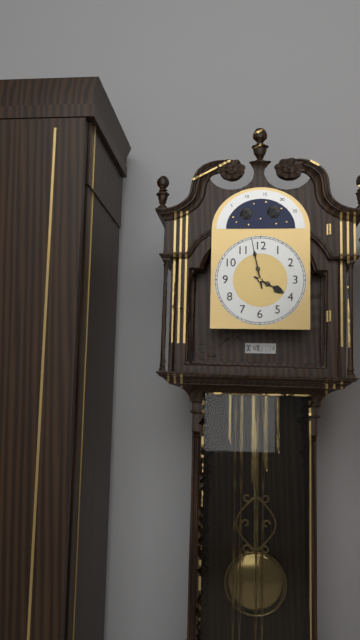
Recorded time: 3:58
